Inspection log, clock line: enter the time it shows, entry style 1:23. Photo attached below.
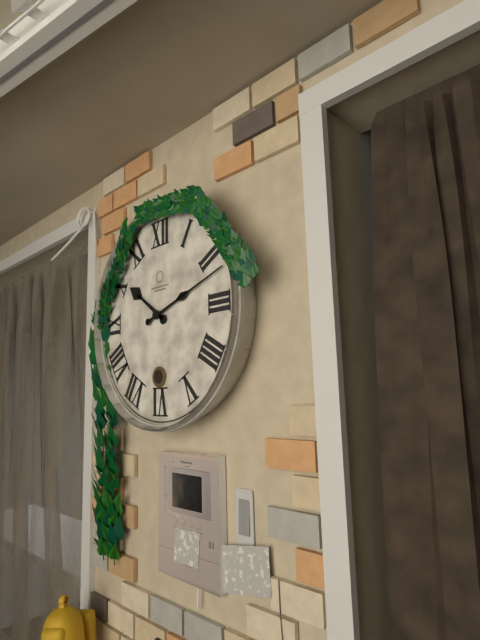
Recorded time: 10:12
